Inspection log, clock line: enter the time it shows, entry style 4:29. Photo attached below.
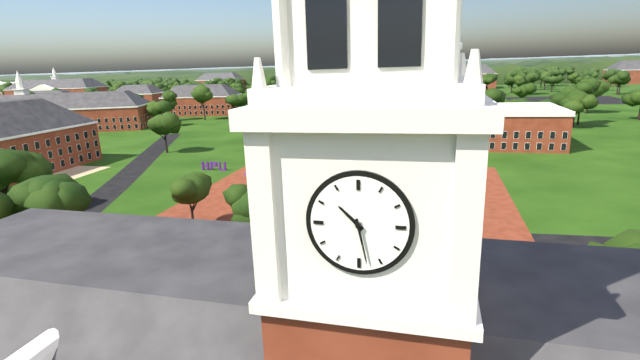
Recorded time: 10:28
